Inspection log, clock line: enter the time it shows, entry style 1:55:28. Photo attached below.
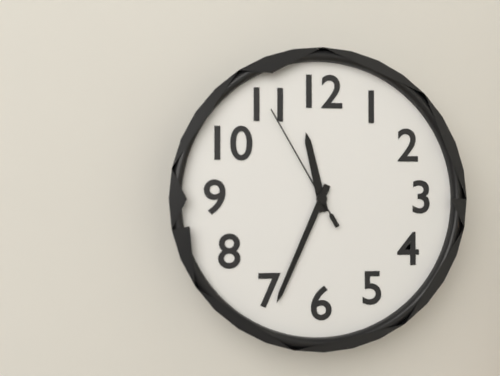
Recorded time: 11:34:55
